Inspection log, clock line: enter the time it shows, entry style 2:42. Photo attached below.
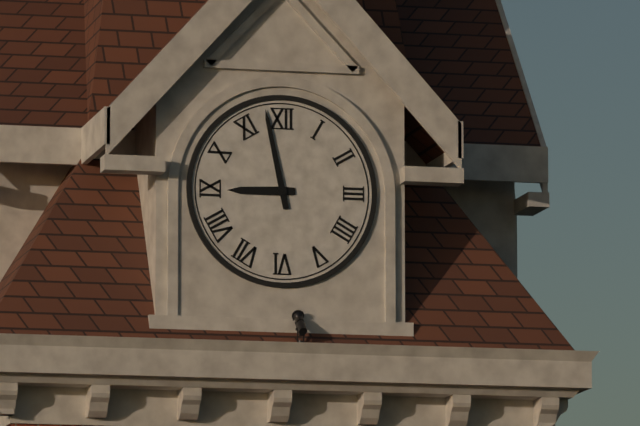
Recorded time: 8:58
